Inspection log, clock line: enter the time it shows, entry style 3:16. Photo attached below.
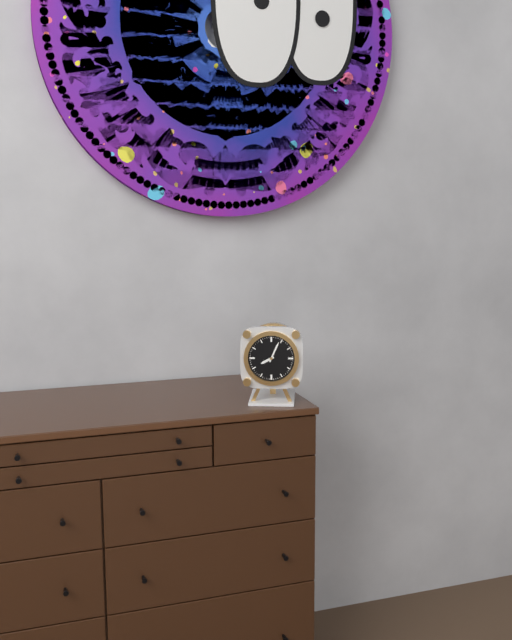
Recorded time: 8:04
